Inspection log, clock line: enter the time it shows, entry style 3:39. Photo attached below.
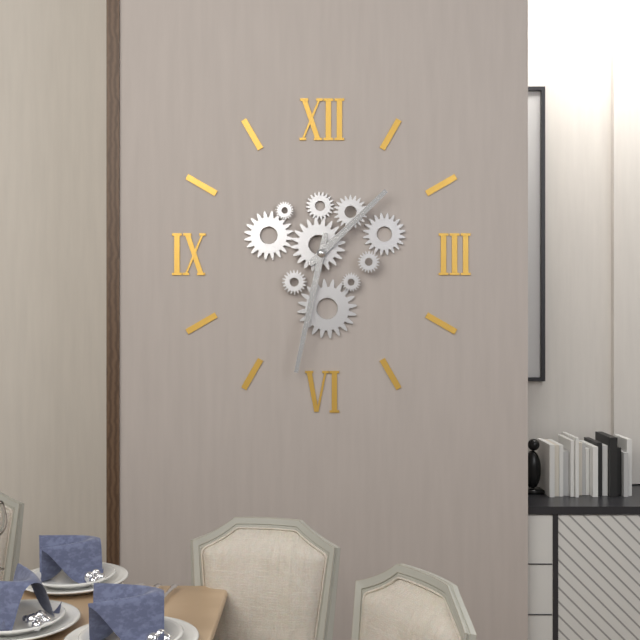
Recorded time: 1:32
